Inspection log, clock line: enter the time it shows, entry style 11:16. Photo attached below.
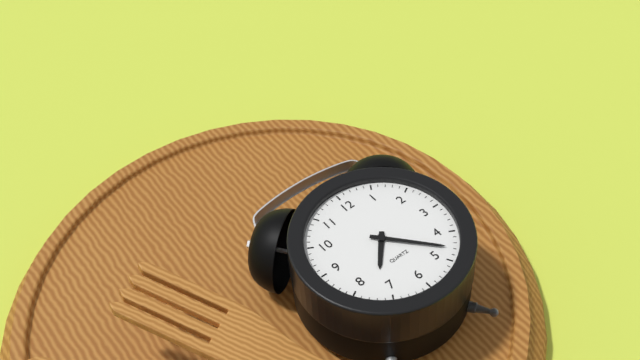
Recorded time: 7:23
